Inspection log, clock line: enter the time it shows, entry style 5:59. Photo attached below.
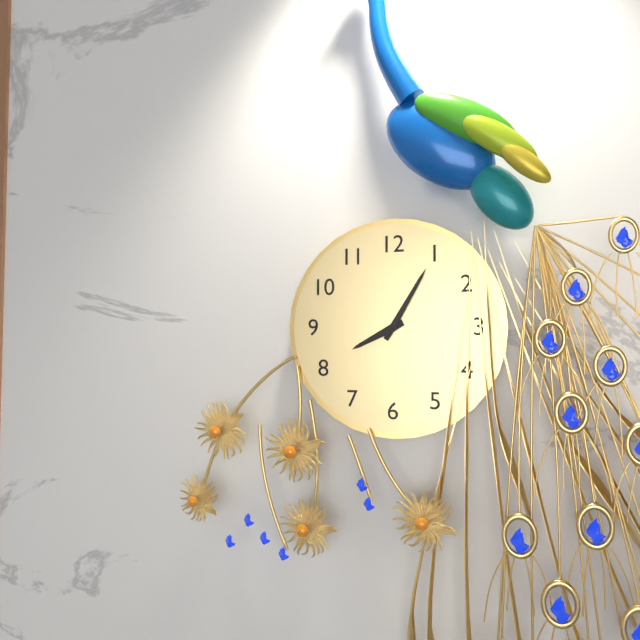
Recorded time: 8:05
